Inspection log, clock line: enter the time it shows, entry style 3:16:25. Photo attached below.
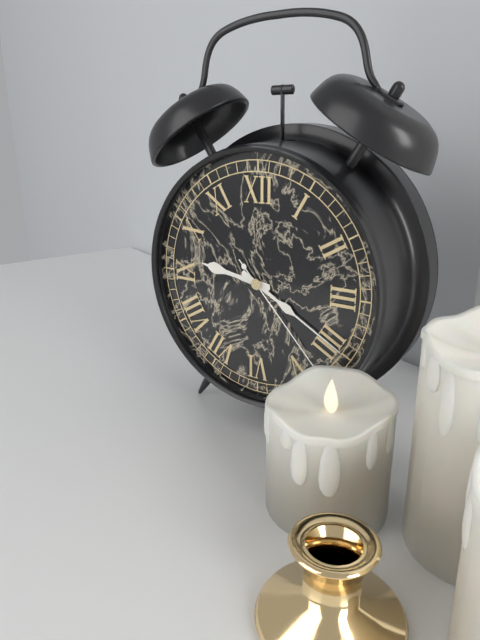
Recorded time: 9:20:23
